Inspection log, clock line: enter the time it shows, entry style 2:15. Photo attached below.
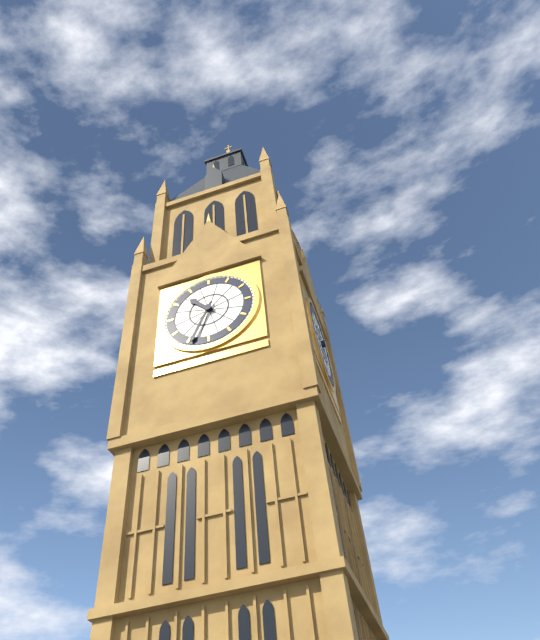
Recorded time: 10:34
